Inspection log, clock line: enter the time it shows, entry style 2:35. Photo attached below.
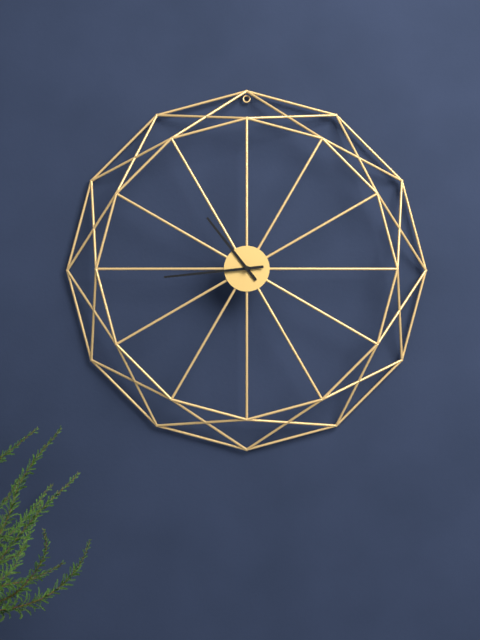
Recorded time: 10:44
